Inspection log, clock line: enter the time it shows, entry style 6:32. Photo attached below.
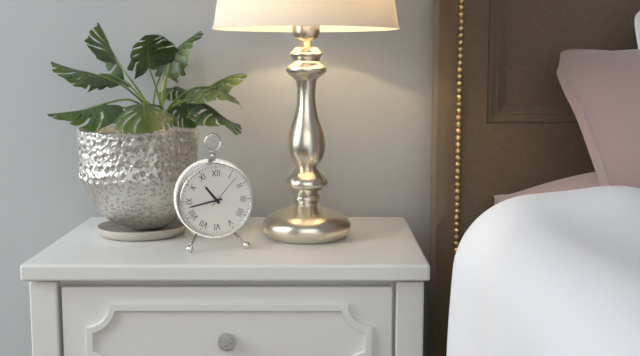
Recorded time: 10:43
